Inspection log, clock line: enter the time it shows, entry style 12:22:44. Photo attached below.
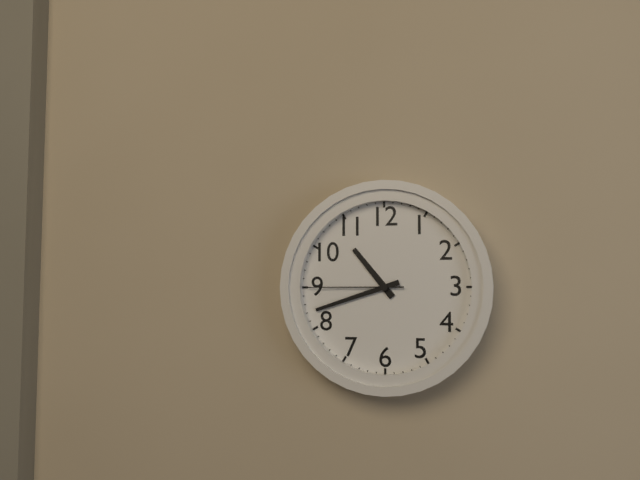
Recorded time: 10:42:45
